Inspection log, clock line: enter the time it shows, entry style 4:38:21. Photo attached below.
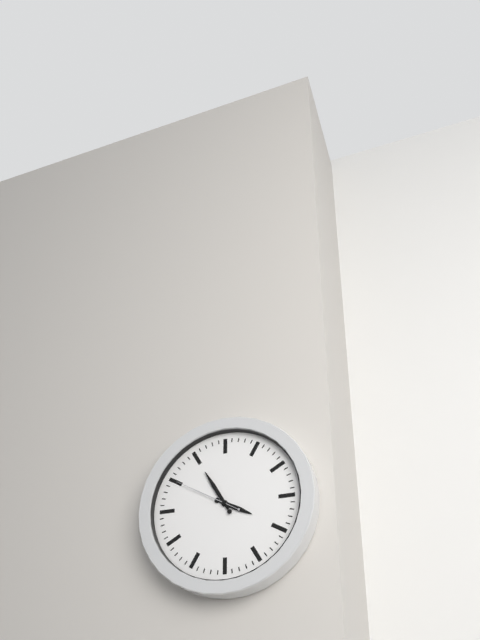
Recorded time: 3:55:50
